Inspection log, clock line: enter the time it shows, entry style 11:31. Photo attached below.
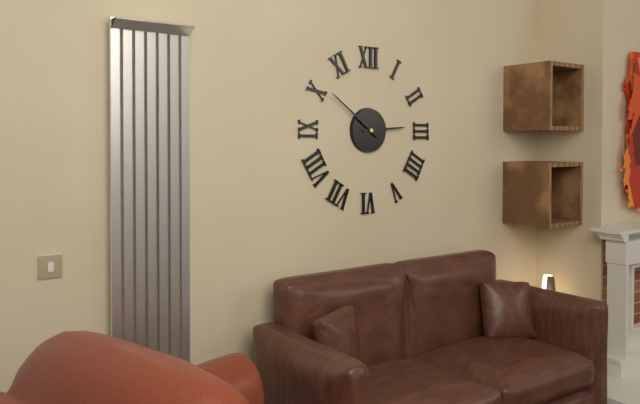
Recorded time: 2:51
